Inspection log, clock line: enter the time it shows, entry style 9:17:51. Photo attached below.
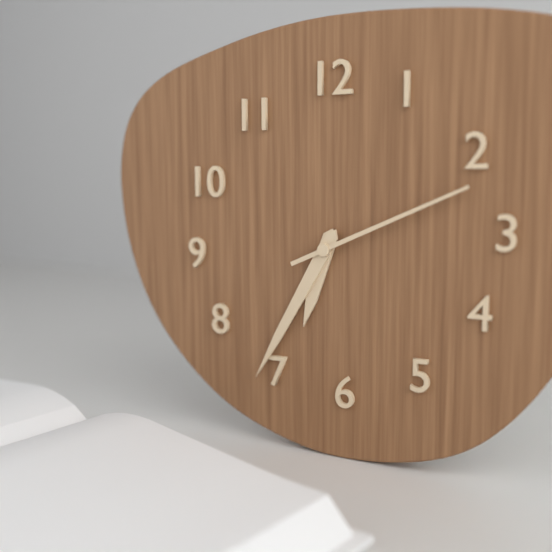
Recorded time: 6:35:11
